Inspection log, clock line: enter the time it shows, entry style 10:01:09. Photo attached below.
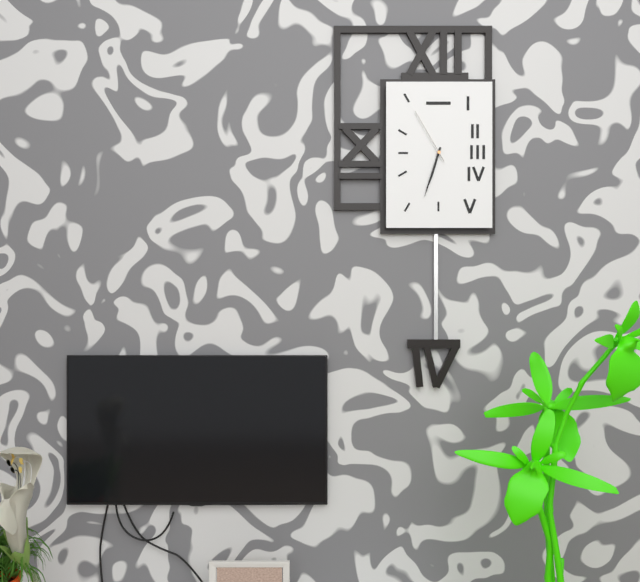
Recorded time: 6:33:55
